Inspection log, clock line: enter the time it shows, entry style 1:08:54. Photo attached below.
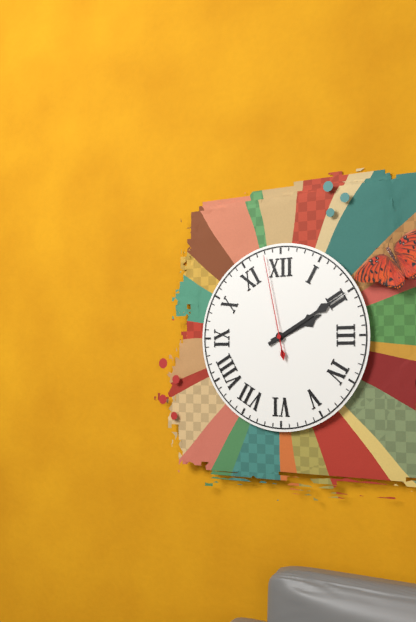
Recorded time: 2:10:58
